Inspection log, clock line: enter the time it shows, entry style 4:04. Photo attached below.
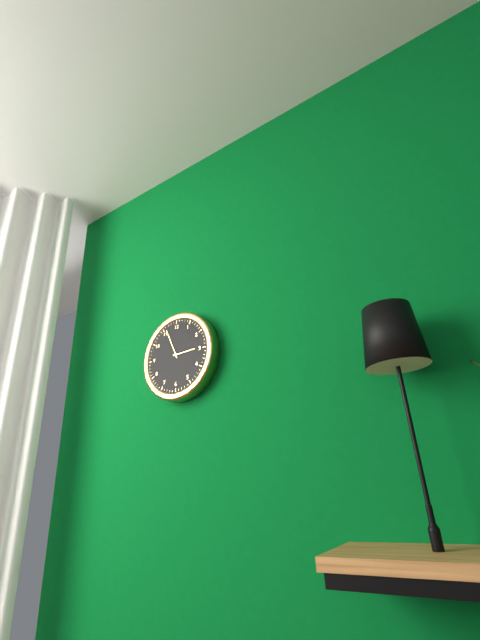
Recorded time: 2:56
